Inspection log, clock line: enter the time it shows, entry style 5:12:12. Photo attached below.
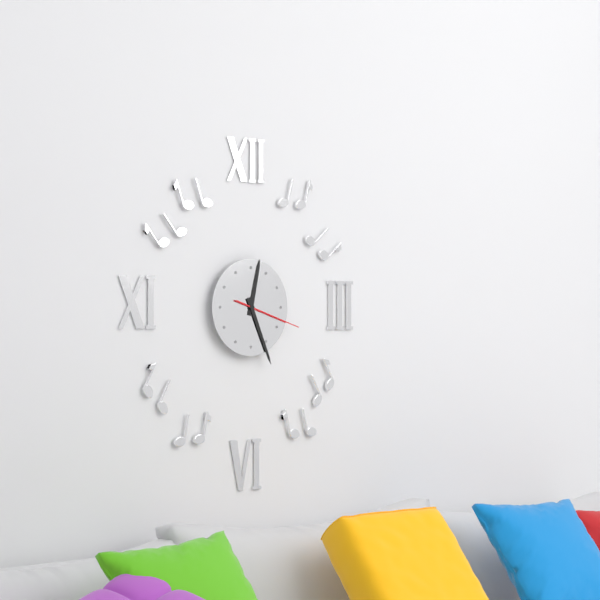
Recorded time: 12:26:18
